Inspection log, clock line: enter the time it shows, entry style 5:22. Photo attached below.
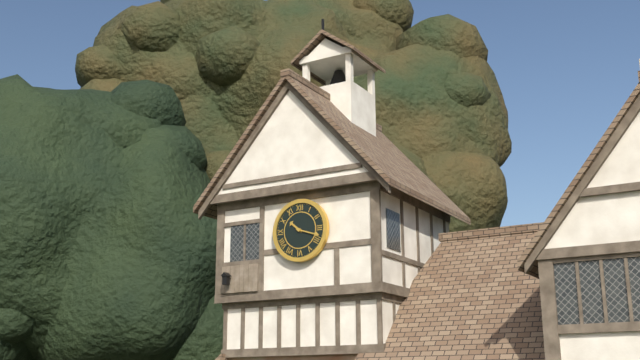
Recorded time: 10:18
